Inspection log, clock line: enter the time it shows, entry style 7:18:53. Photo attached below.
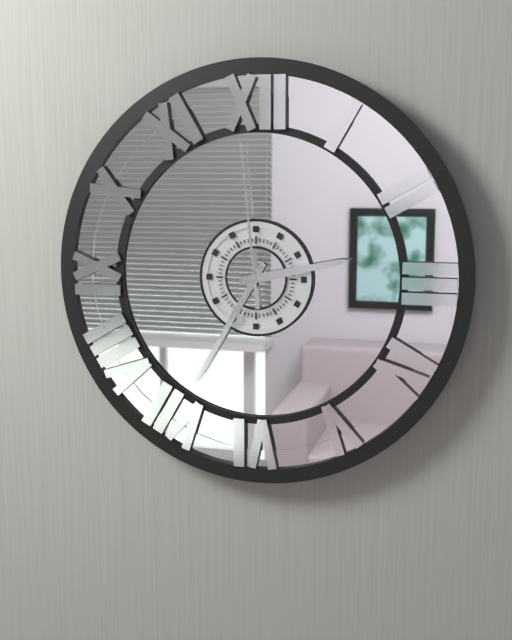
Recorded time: 2:35:59
